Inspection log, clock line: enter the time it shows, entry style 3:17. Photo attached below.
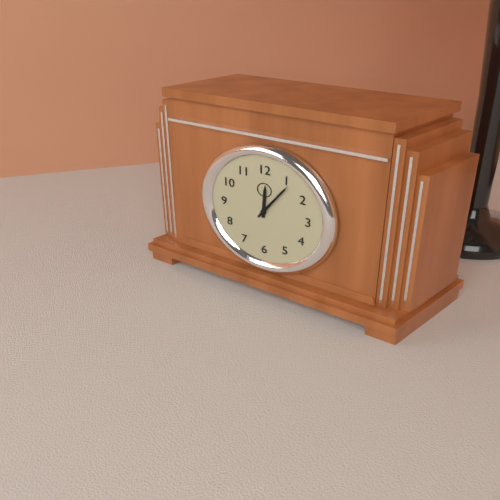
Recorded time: 12:06
